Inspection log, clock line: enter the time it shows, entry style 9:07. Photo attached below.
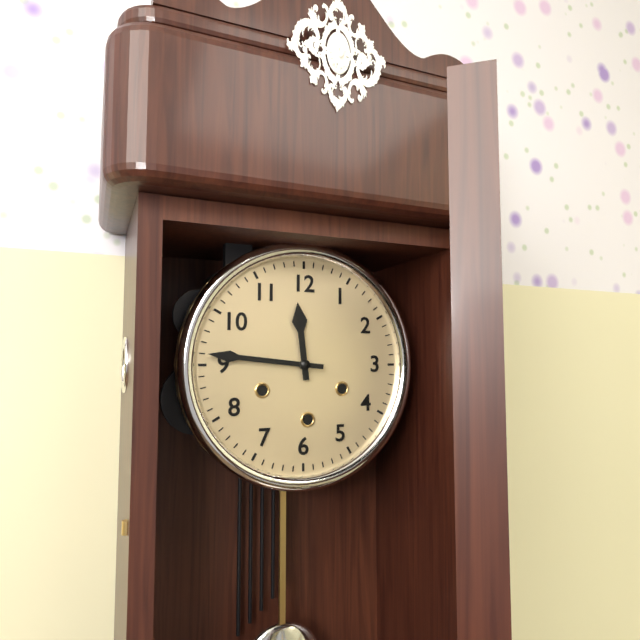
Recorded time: 11:46
